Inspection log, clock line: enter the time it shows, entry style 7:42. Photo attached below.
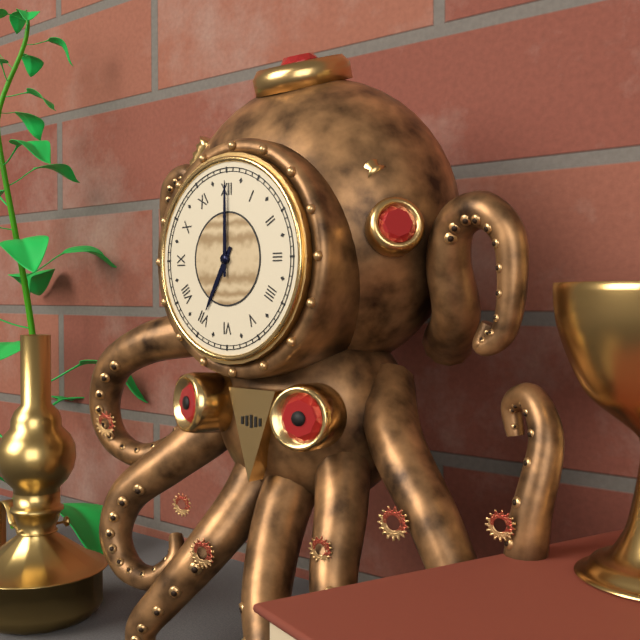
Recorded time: 7:00
